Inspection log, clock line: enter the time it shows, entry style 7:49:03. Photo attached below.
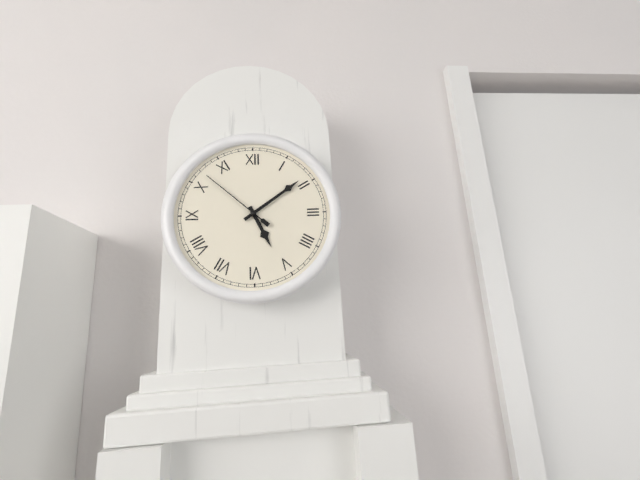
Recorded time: 5:09:52
